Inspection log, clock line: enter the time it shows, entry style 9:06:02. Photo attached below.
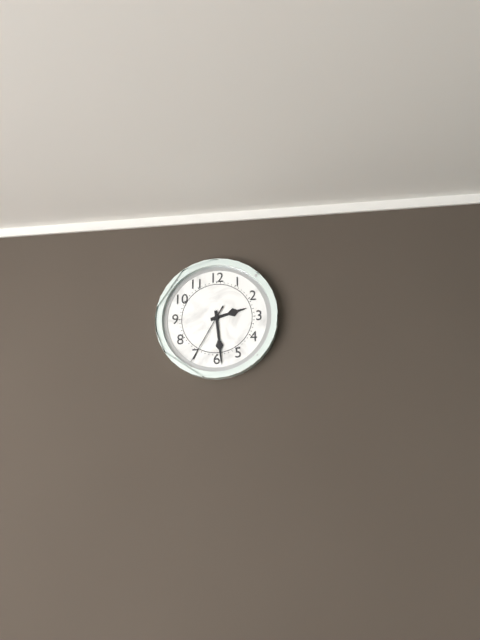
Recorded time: 2:29:35
